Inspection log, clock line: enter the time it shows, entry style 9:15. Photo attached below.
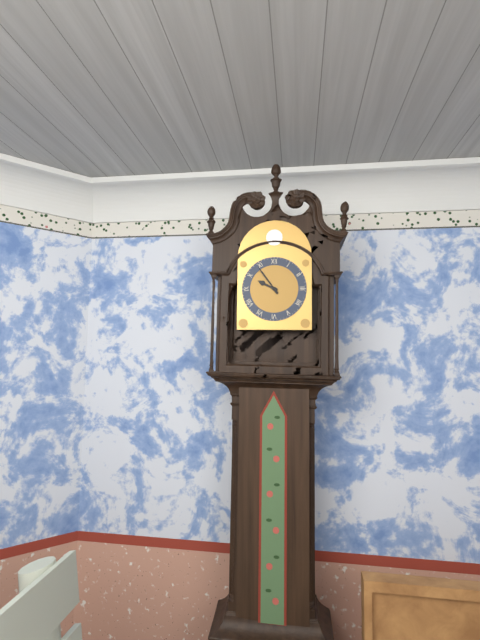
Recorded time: 9:54
